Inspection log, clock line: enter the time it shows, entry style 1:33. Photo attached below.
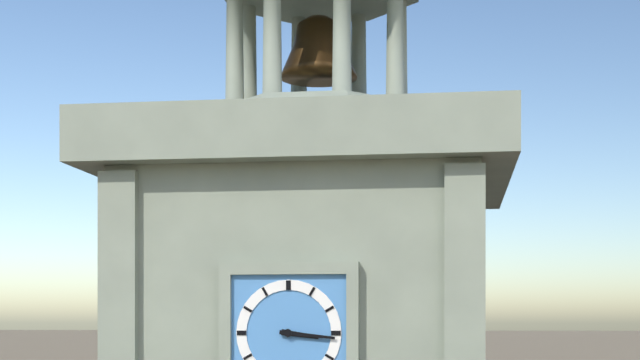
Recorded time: 3:16
